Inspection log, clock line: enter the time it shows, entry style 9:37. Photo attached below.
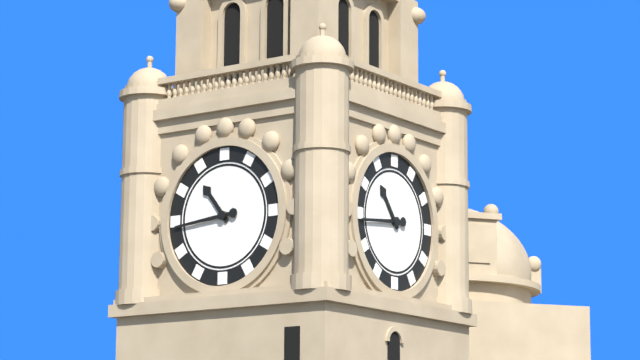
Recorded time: 10:44
